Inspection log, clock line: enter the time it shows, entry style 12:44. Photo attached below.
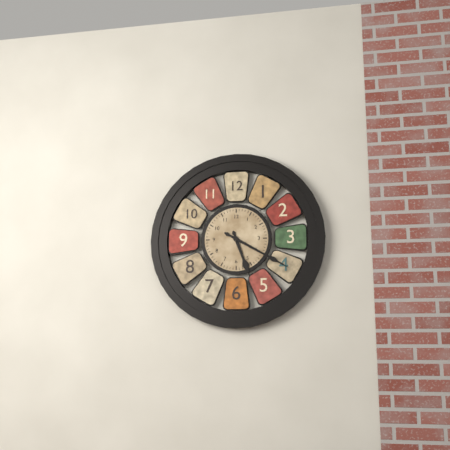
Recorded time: 5:20
